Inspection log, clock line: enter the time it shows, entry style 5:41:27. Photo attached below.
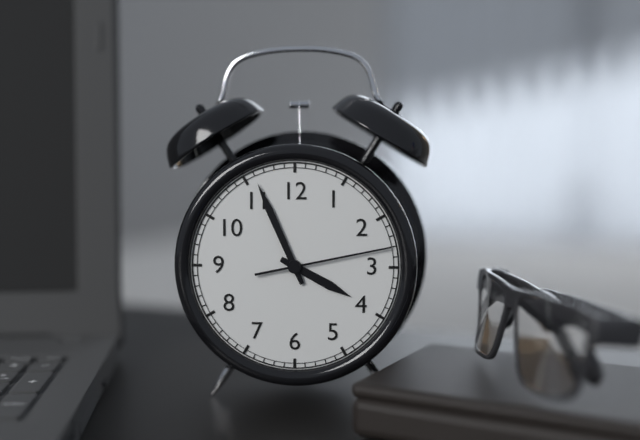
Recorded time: 3:56:13
